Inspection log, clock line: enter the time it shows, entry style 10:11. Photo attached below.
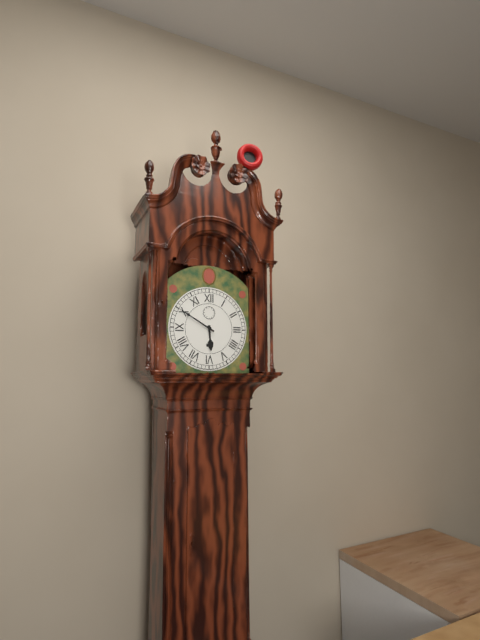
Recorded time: 5:50
